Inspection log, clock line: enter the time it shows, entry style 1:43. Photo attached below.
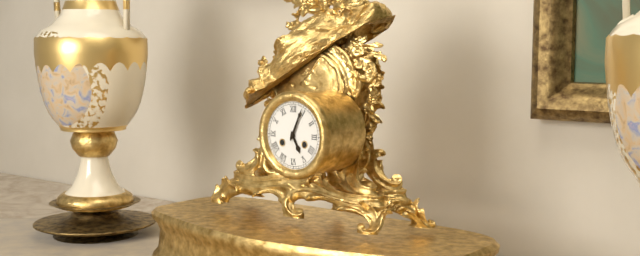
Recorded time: 5:04
